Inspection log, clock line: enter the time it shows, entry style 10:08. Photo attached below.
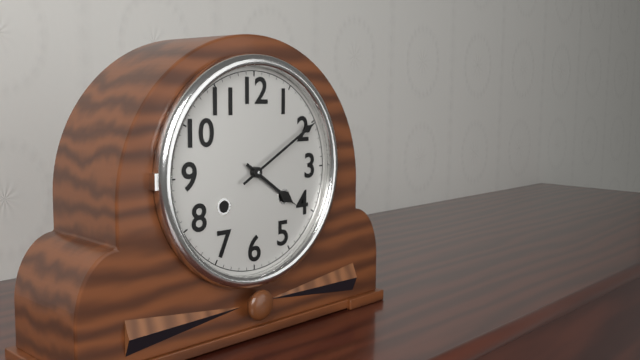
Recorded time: 4:10
